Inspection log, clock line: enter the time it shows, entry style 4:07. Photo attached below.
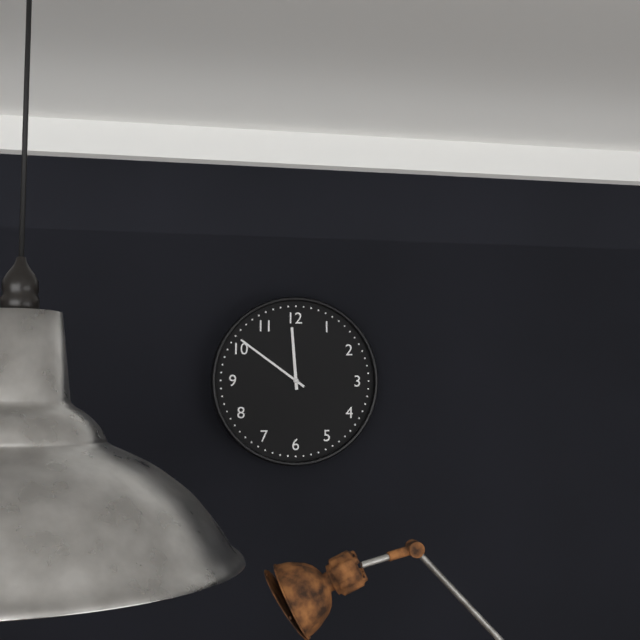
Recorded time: 11:51
